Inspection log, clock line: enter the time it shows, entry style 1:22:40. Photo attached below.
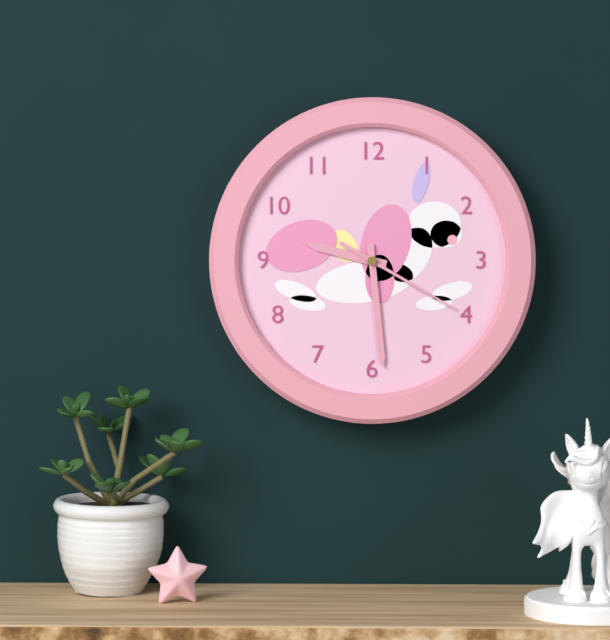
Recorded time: 9:29:20
